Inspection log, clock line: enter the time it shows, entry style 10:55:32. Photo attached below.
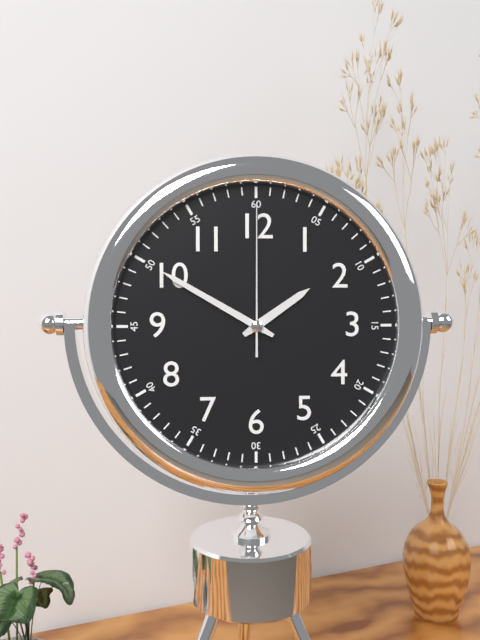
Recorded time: 1:50:00
